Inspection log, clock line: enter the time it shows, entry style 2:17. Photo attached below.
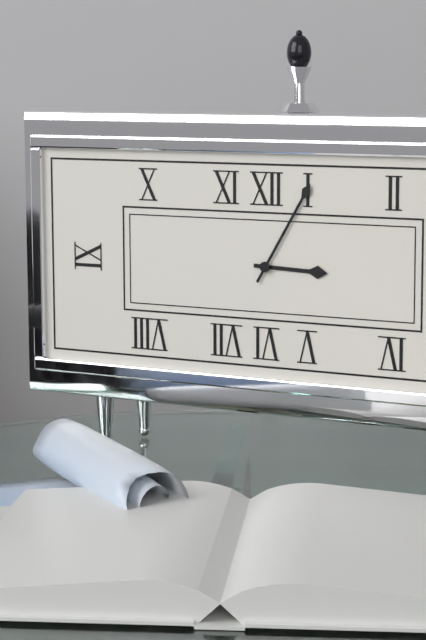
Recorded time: 3:05
